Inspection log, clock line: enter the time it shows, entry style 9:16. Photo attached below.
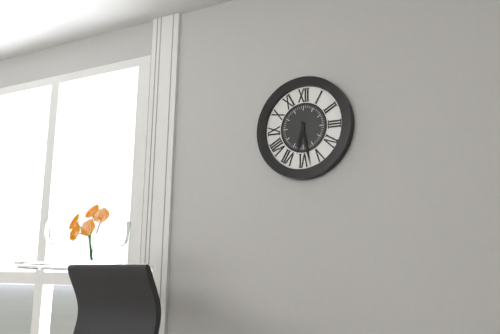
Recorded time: 6:28
